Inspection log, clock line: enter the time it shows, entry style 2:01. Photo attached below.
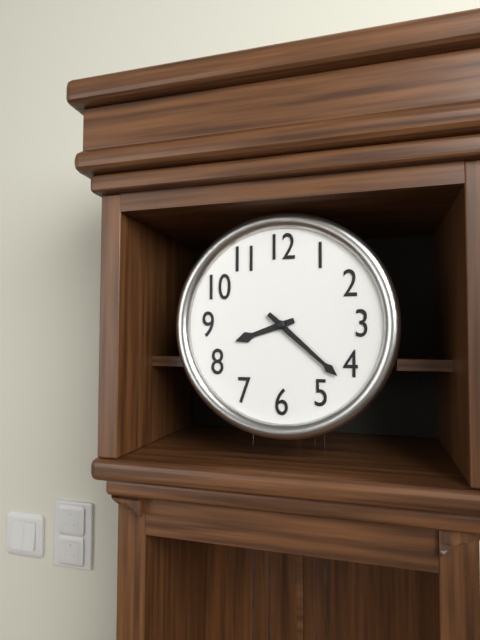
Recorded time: 8:22
